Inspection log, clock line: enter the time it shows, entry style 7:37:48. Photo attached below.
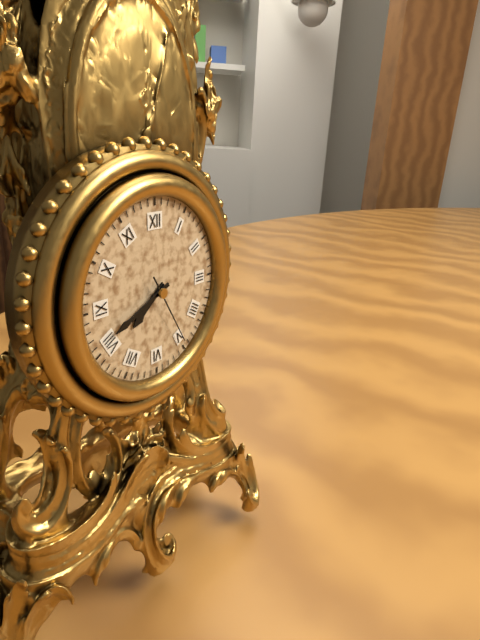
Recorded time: 7:41:25
